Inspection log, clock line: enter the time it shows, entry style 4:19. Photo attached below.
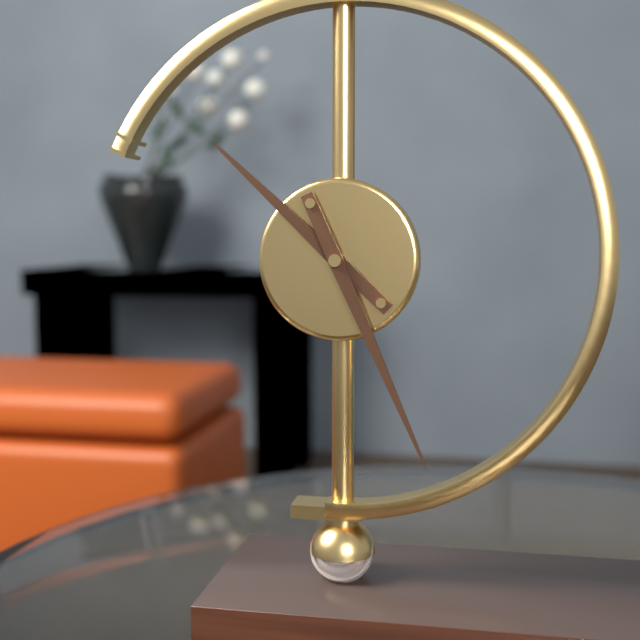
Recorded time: 10:26
